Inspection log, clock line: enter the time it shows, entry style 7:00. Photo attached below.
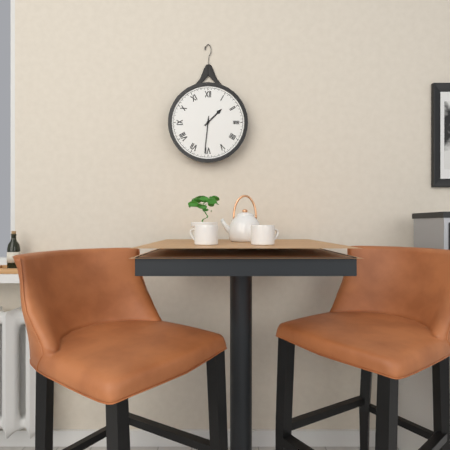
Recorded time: 1:31
